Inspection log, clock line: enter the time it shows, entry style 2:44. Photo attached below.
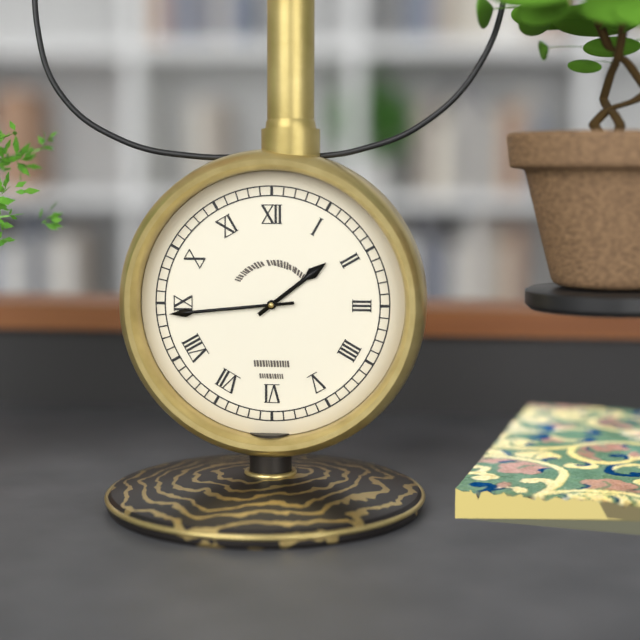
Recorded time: 1:44
